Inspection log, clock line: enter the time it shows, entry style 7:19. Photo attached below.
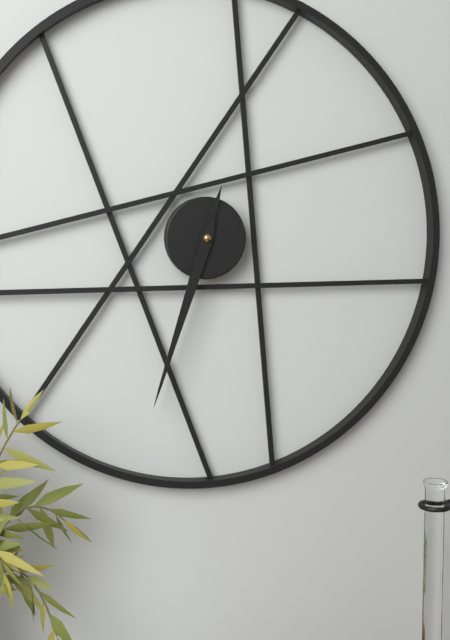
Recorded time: 6:33
